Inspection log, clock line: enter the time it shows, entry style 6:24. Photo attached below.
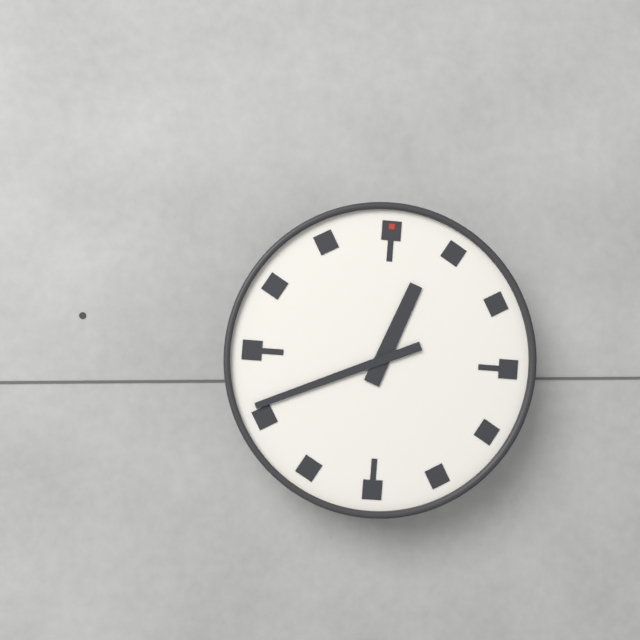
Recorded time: 12:41
